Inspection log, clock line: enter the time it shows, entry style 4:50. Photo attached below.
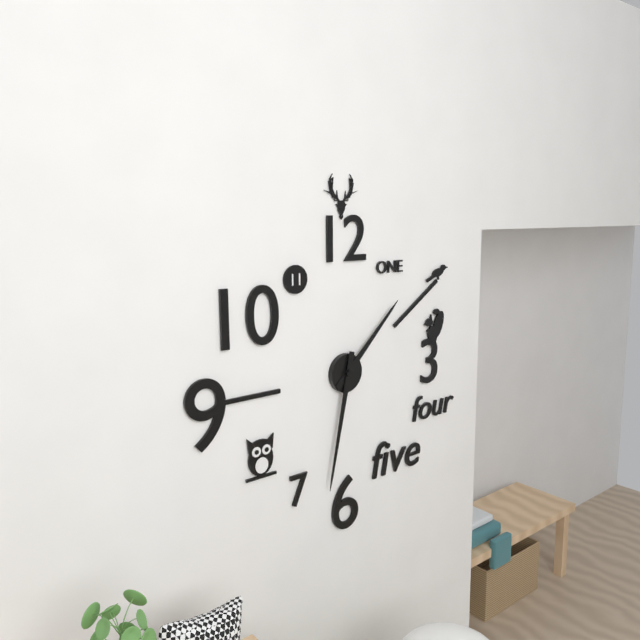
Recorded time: 1:32
